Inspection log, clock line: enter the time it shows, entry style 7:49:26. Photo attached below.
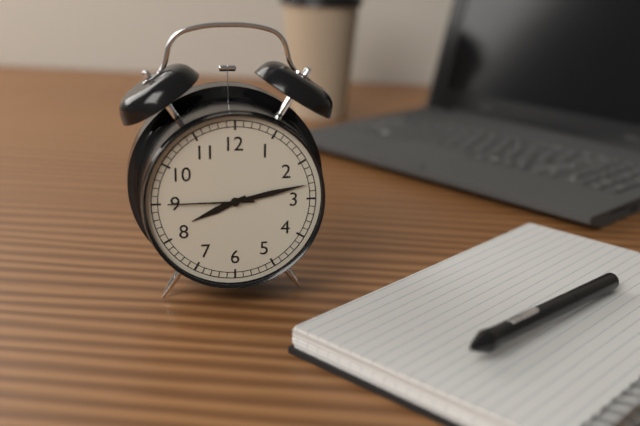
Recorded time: 8:13:45
